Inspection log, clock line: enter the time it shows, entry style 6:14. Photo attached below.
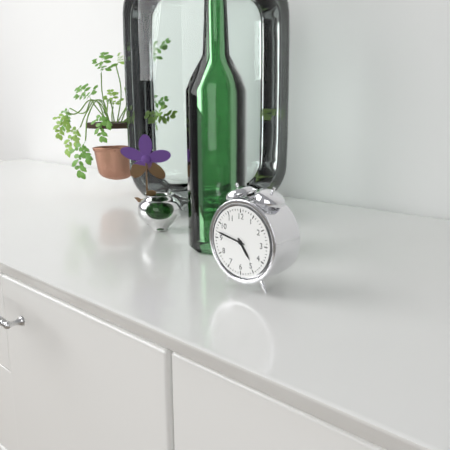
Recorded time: 4:47
